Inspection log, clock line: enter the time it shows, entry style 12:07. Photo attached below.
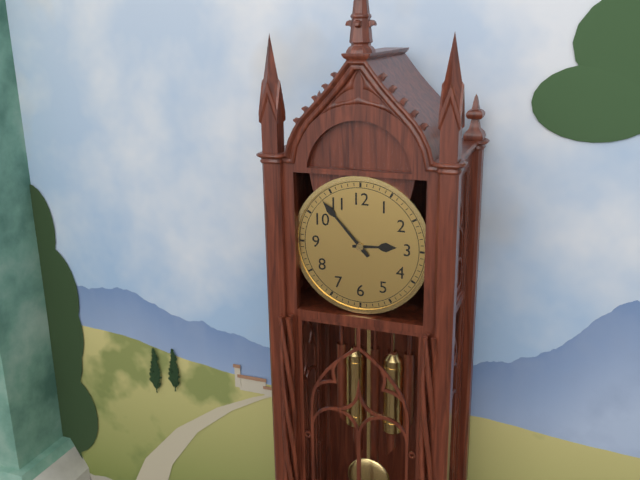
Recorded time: 2:53
